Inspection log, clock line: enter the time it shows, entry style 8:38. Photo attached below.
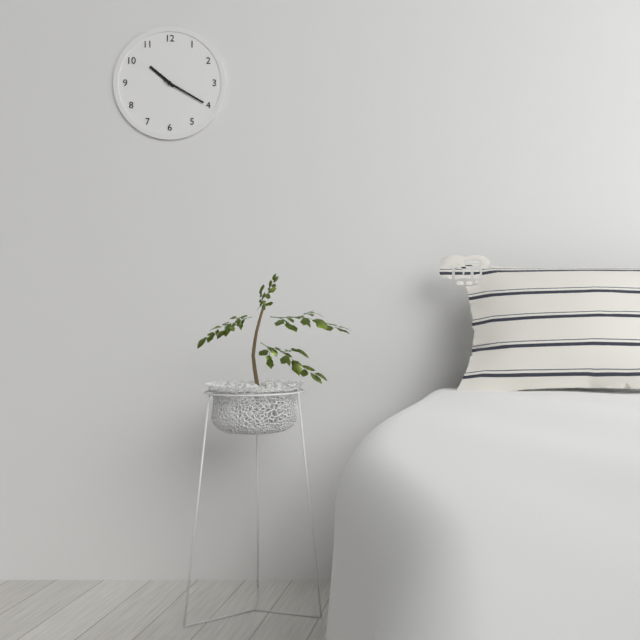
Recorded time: 10:20
